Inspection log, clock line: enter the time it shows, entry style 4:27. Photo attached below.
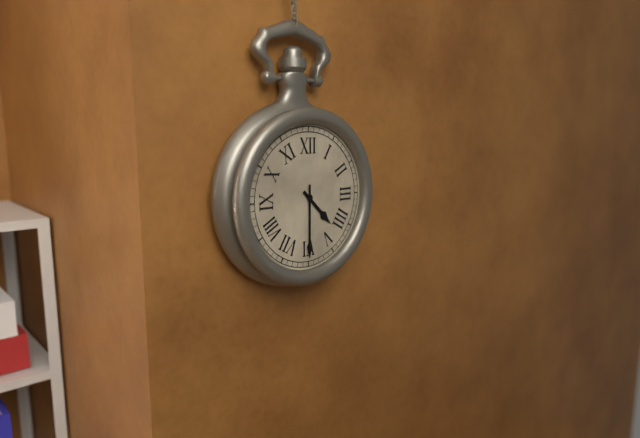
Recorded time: 4:30
